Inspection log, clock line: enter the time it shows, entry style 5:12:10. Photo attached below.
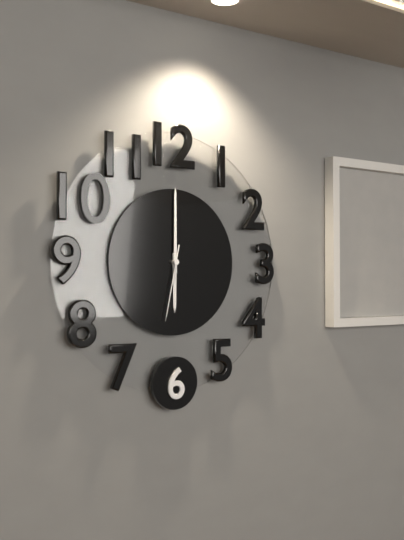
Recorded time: 6:00:32
